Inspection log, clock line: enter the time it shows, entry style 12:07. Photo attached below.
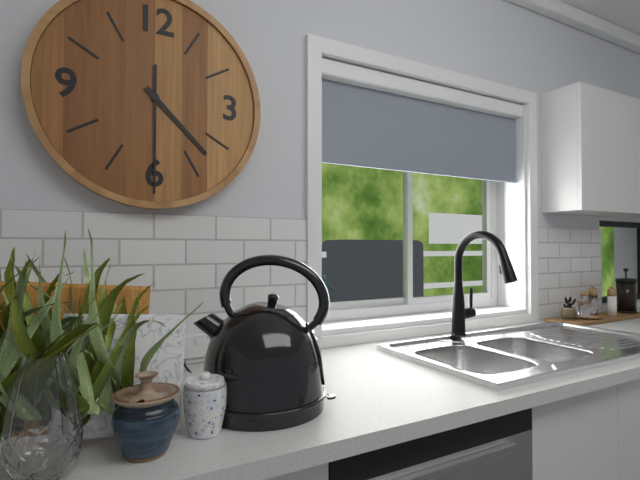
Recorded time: 4:30
